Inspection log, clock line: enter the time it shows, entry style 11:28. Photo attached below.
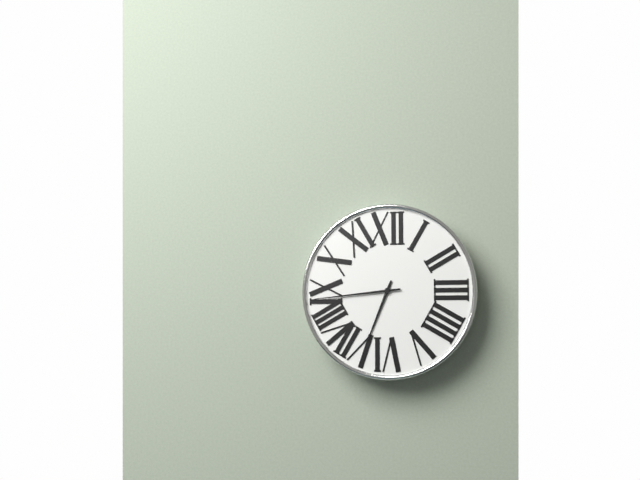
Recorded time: 6:44
